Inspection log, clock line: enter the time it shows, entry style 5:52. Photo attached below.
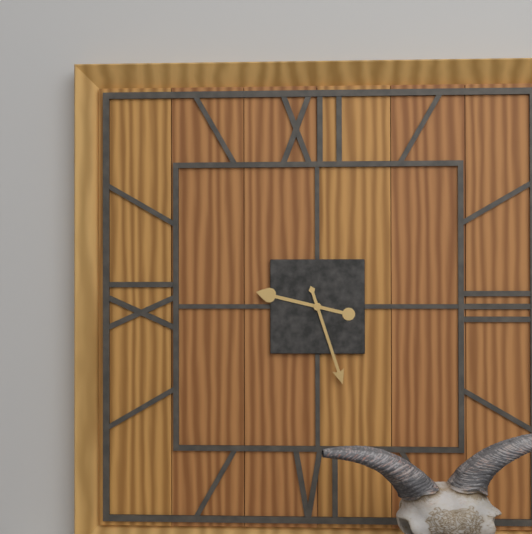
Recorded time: 9:27
